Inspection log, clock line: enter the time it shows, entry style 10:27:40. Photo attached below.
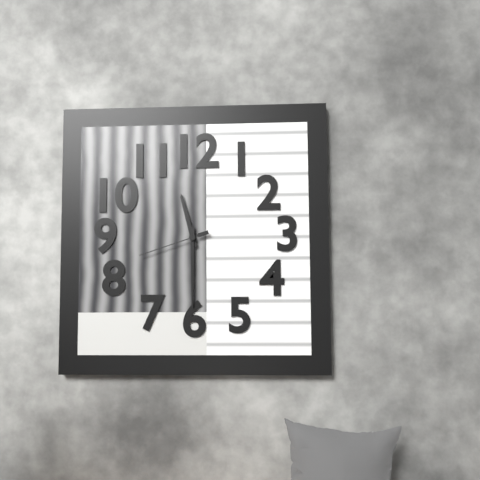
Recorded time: 11:30:42
